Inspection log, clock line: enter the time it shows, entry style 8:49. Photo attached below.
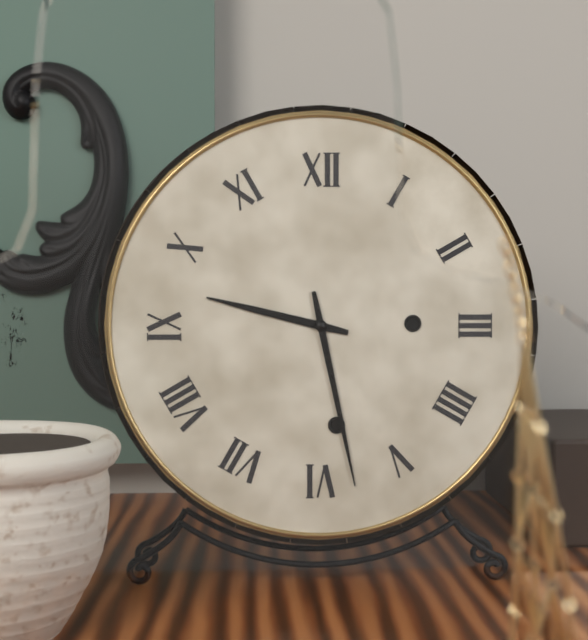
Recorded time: 9:28
